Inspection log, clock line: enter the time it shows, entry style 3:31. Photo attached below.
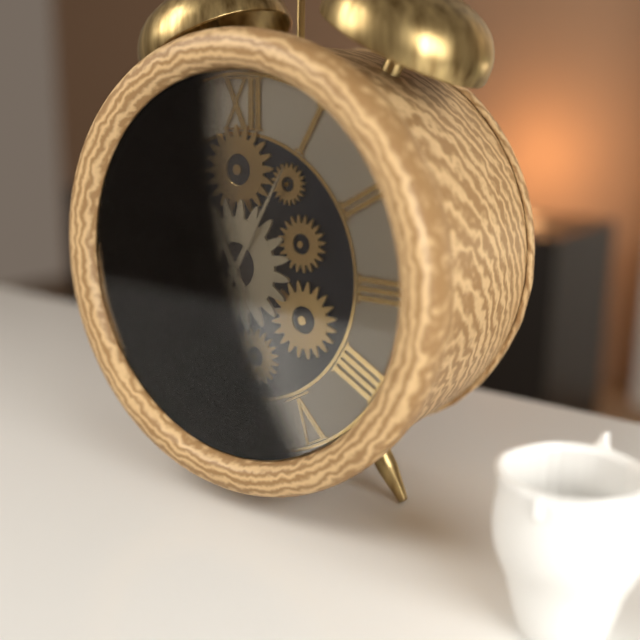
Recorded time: 11:05
